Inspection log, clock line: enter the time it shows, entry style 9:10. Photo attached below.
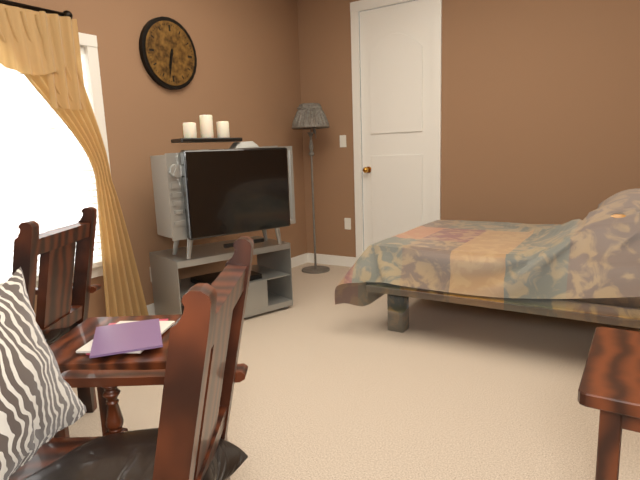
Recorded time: 6:32
